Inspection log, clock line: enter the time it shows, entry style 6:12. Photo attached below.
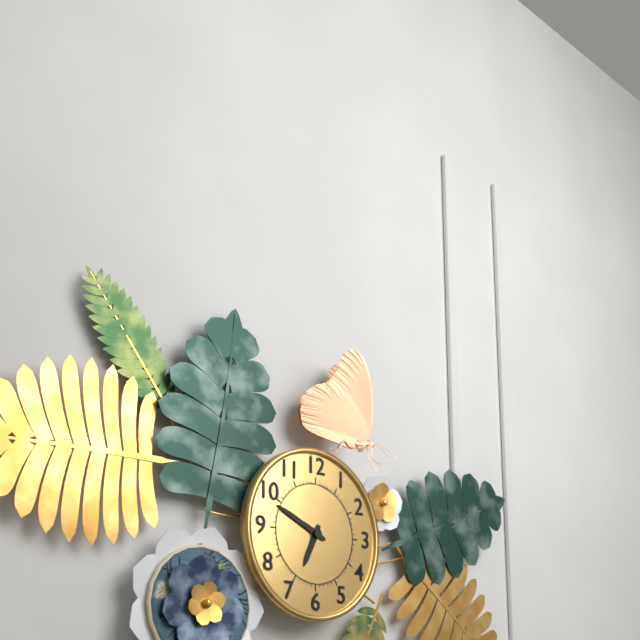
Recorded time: 6:49
